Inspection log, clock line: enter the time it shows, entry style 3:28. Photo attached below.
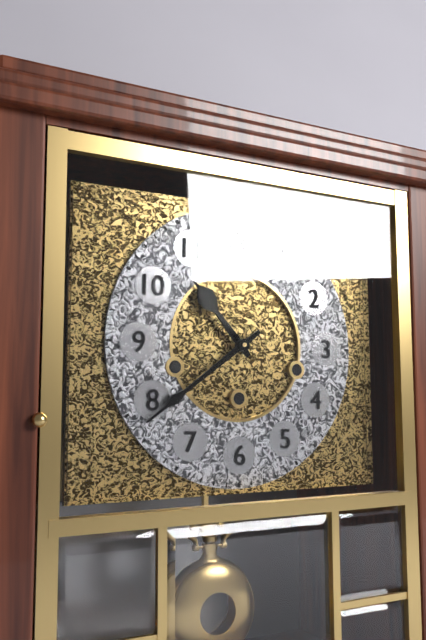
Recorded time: 10:39
